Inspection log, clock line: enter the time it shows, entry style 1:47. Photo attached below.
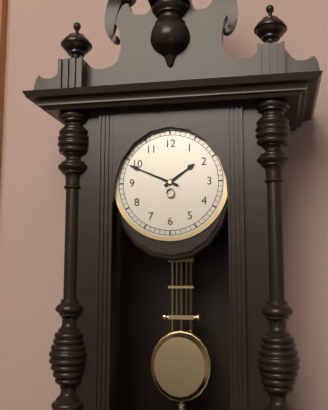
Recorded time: 1:49
